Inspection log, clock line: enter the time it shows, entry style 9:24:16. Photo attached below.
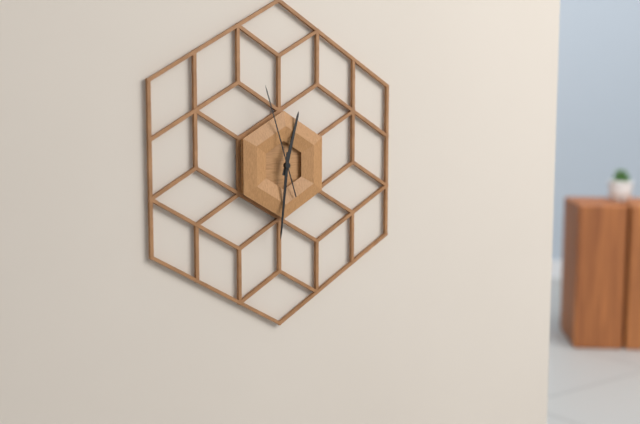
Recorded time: 12:31:57
